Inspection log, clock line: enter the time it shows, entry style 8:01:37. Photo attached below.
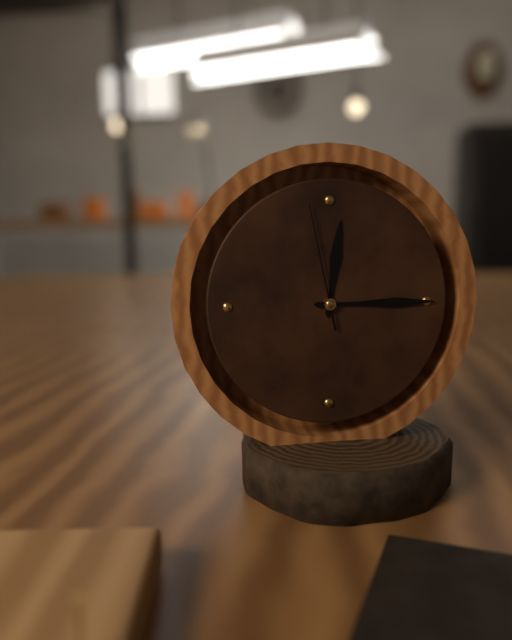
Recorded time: 12:15:58
